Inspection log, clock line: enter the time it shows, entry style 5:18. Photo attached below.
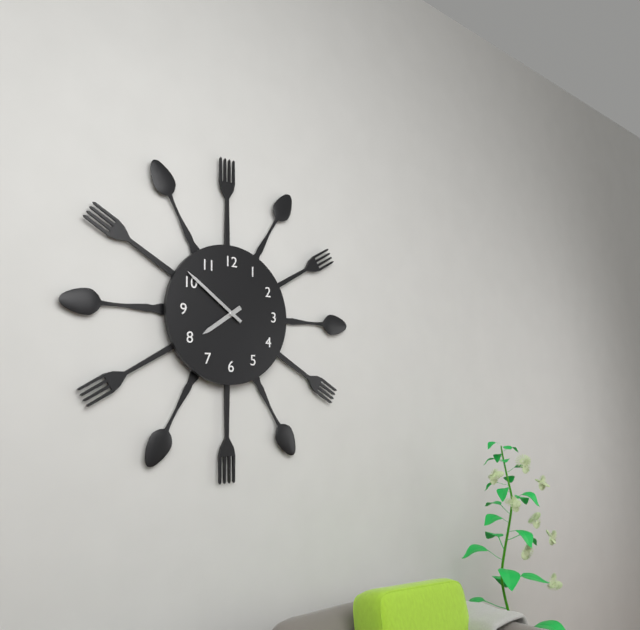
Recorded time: 7:51
